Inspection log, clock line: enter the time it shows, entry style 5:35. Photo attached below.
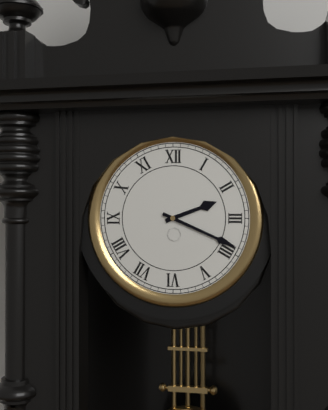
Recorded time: 2:19
